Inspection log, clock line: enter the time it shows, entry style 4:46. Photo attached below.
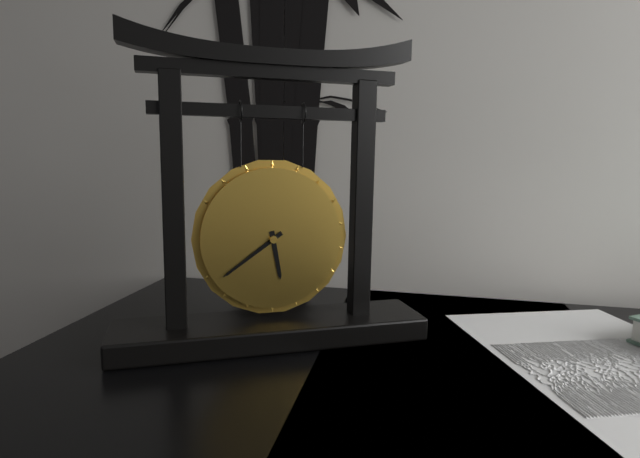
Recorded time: 5:39
